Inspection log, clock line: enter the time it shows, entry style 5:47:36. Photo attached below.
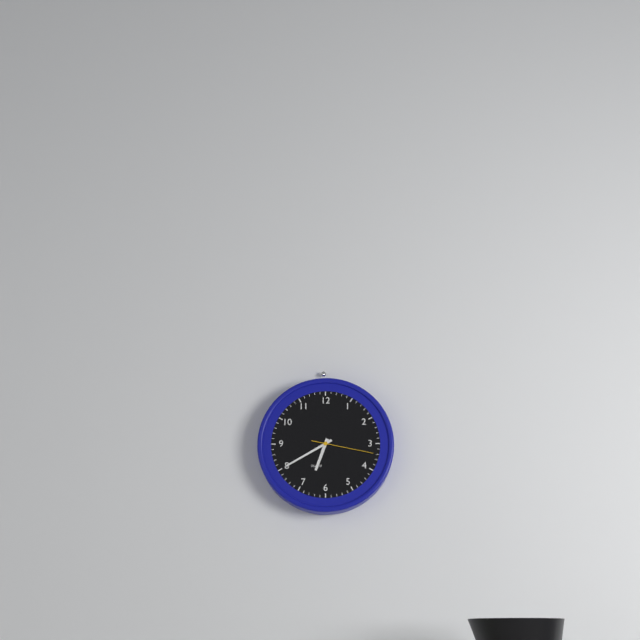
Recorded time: 6:40:17
